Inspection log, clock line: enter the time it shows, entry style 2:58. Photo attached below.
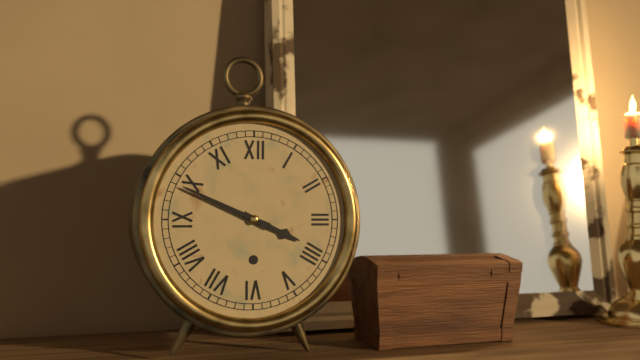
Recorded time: 3:49
